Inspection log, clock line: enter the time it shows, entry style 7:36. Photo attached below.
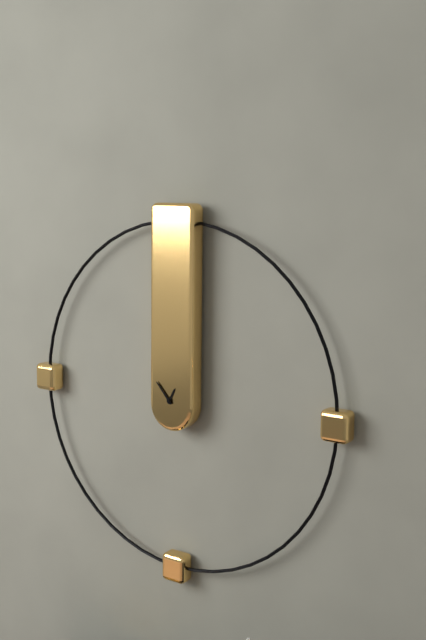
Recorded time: 12:53
